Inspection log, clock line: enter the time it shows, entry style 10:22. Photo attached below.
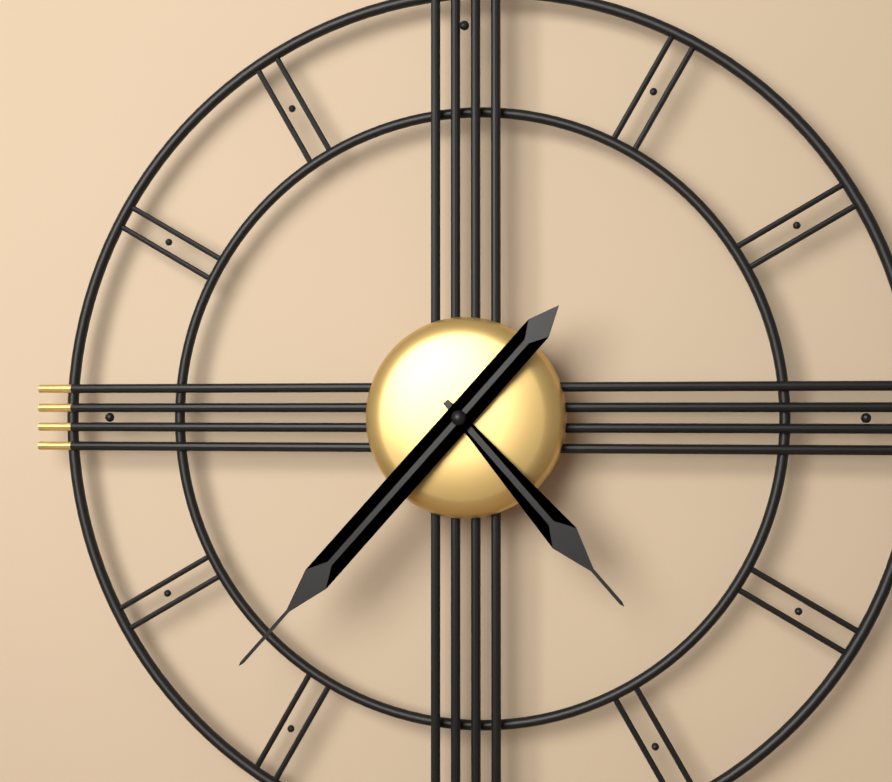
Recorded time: 4:37
